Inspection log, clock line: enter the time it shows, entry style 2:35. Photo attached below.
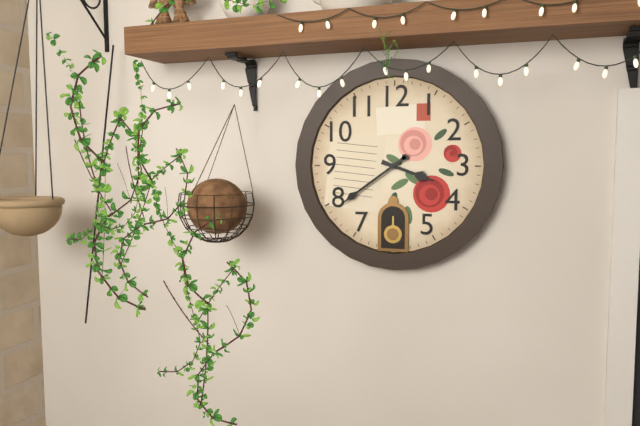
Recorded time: 3:39
